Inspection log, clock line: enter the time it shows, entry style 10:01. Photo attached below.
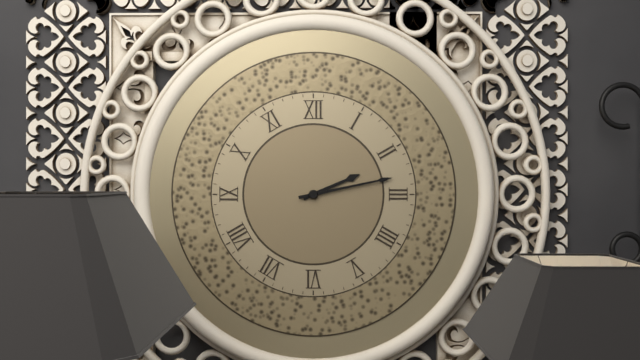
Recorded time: 2:13
